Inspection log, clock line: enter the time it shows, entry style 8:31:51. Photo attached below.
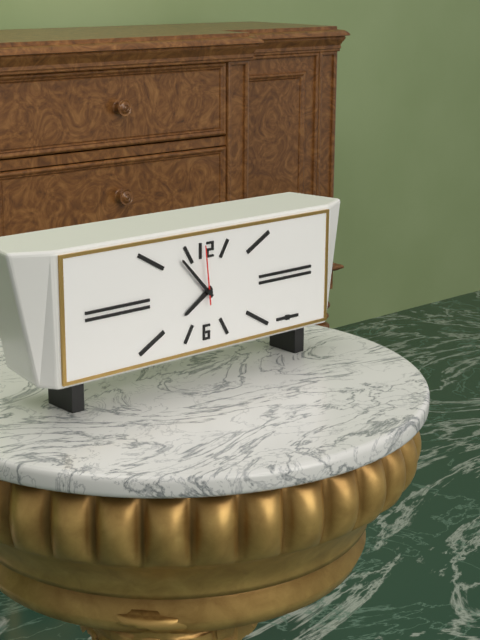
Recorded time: 7:53:59
